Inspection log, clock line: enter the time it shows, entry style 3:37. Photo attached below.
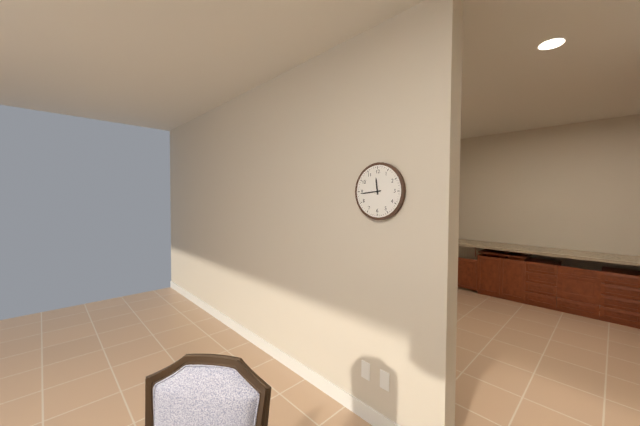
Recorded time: 11:44
